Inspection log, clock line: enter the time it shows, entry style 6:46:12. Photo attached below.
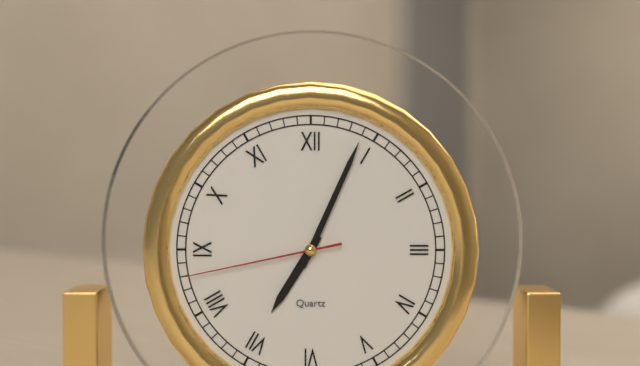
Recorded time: 7:04:43
